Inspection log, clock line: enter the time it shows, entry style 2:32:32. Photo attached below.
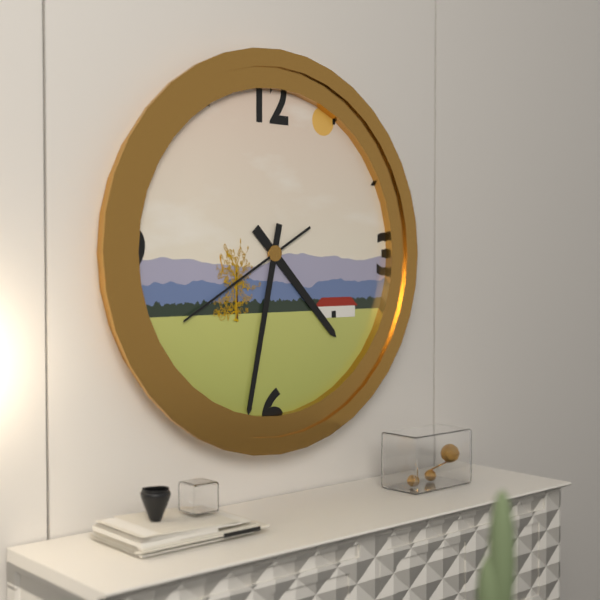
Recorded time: 4:32:40
